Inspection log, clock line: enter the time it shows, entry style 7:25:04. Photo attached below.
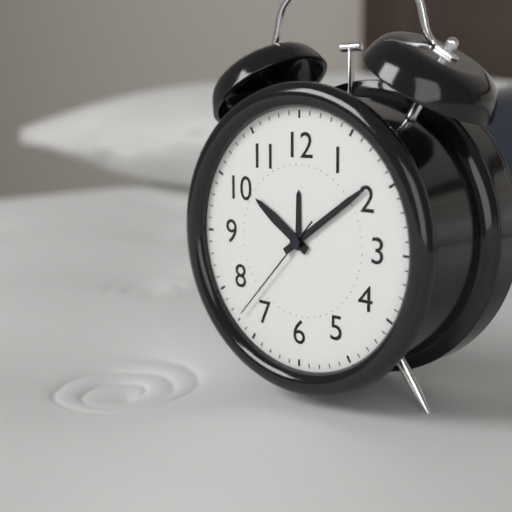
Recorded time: 10:09:37
